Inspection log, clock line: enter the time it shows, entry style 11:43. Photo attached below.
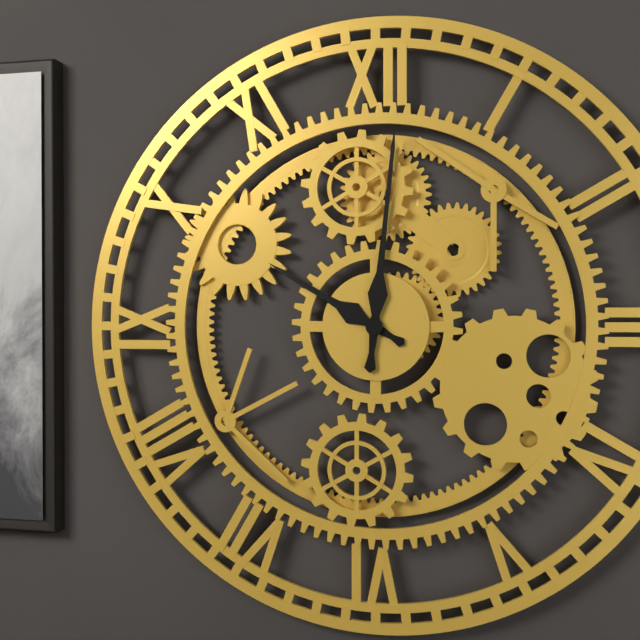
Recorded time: 10:01
